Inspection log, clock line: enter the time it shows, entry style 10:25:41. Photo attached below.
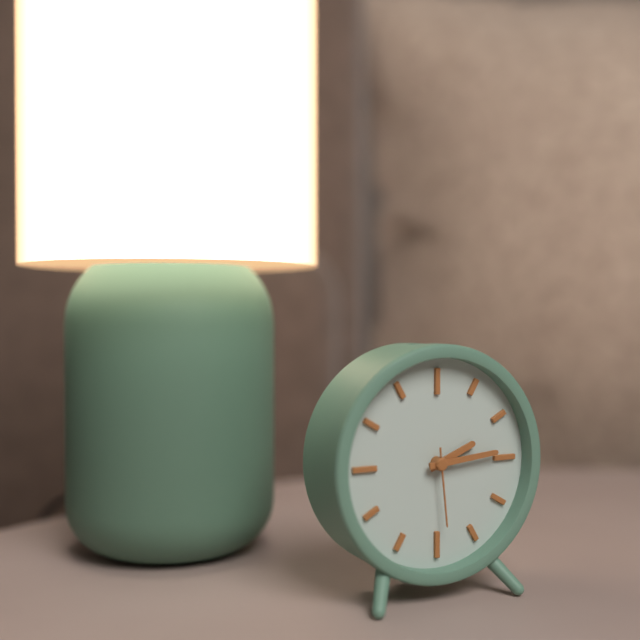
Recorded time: 2:14:29
